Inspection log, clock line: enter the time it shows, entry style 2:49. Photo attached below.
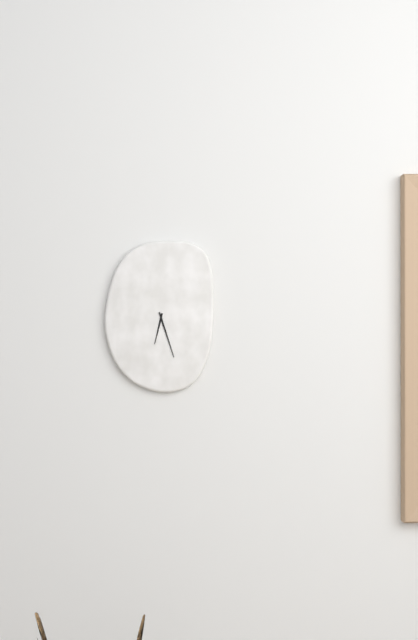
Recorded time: 6:27
